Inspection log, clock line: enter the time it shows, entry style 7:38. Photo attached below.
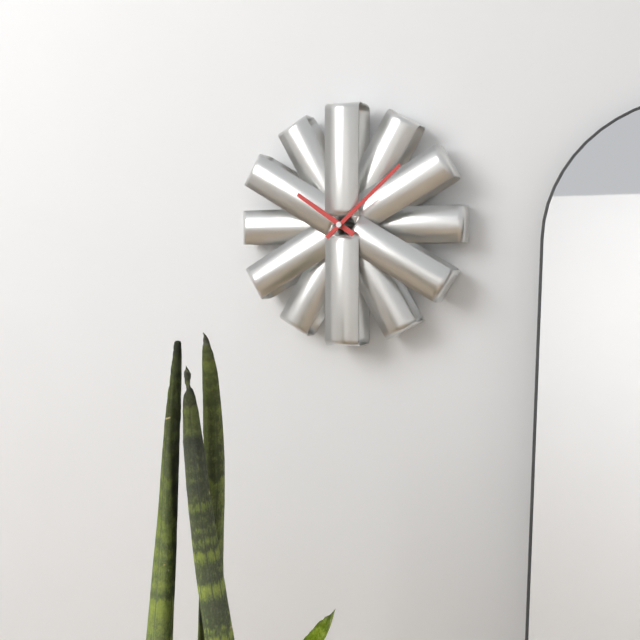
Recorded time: 10:08
